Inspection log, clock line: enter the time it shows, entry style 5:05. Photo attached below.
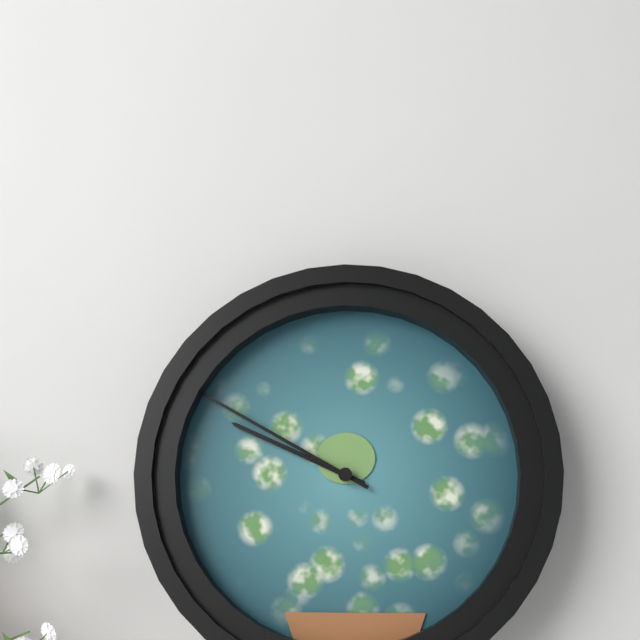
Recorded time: 9:50
